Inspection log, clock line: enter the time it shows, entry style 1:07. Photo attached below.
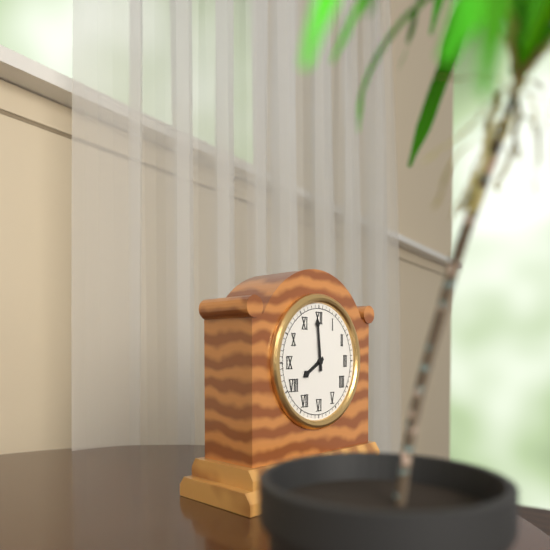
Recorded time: 7:59
